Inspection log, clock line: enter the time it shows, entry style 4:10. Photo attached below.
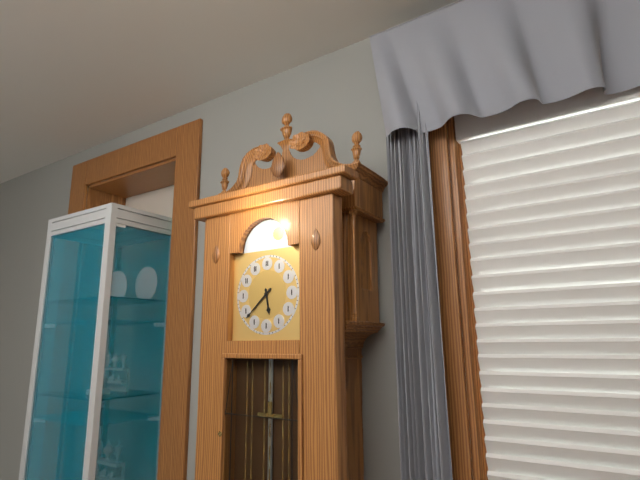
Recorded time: 5:38
